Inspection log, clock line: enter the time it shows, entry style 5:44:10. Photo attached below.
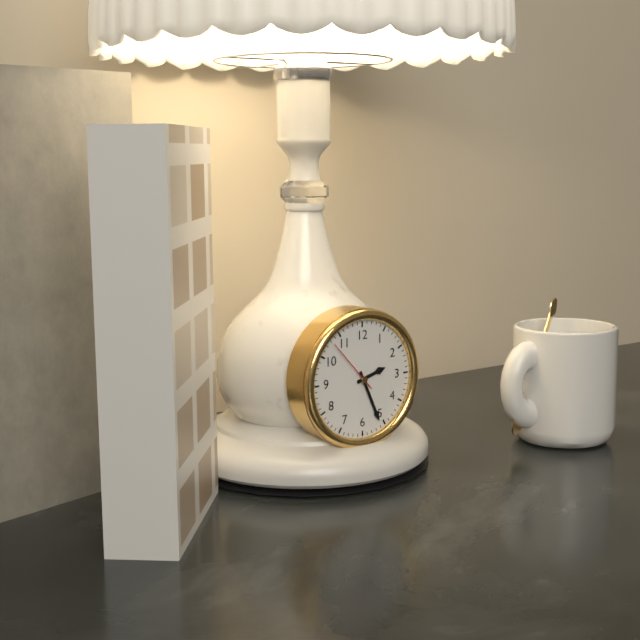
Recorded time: 2:26:53
